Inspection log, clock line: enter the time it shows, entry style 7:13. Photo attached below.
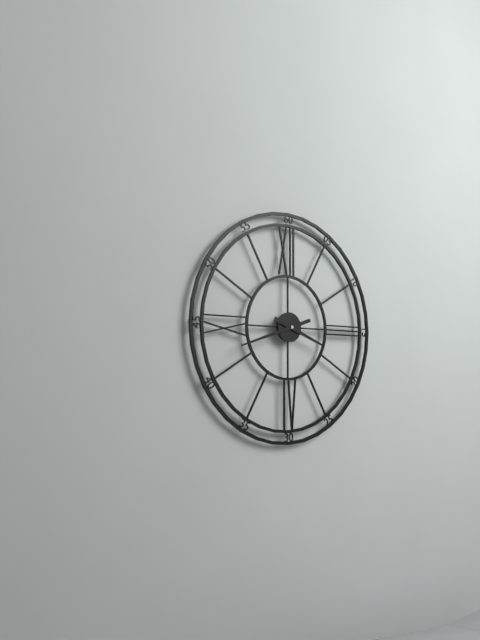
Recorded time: 3:42
